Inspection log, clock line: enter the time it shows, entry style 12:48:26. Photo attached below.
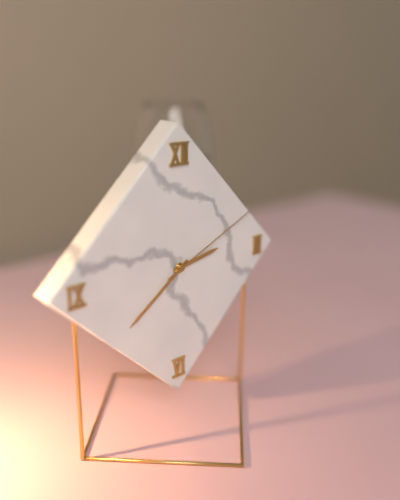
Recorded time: 2:39:11
